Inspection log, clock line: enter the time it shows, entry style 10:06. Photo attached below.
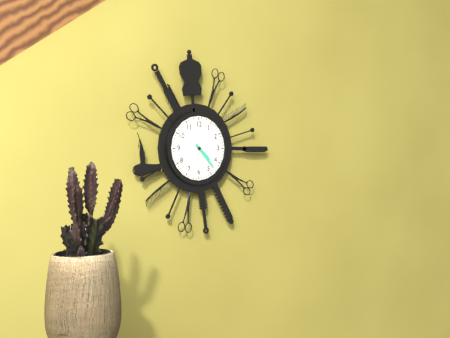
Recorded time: 4:23
